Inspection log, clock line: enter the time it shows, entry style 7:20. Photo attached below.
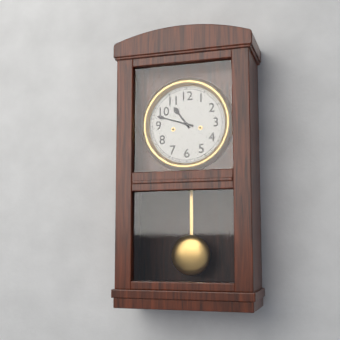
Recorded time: 10:48
